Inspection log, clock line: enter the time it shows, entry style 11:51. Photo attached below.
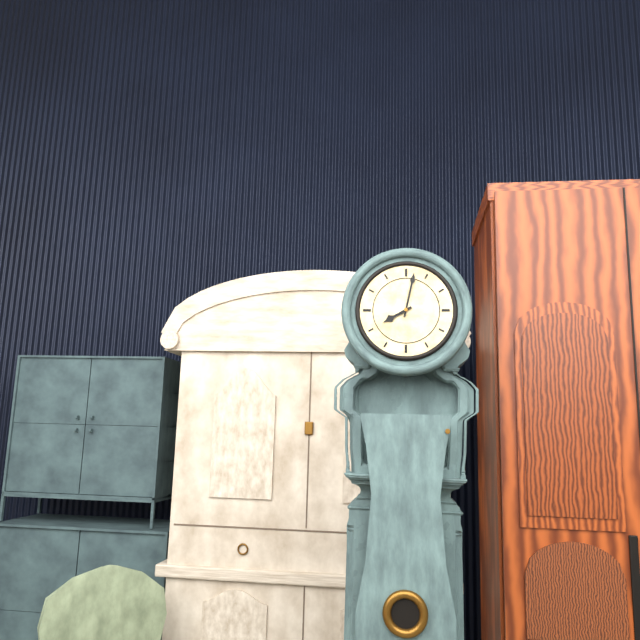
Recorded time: 8:02
